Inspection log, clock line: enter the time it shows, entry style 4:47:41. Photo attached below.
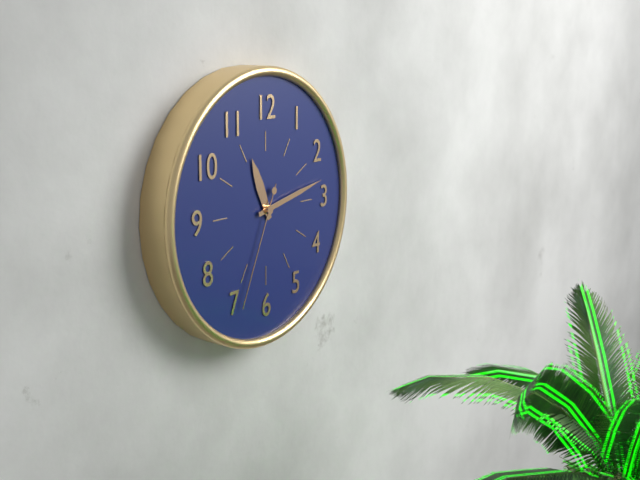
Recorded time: 11:13:34
